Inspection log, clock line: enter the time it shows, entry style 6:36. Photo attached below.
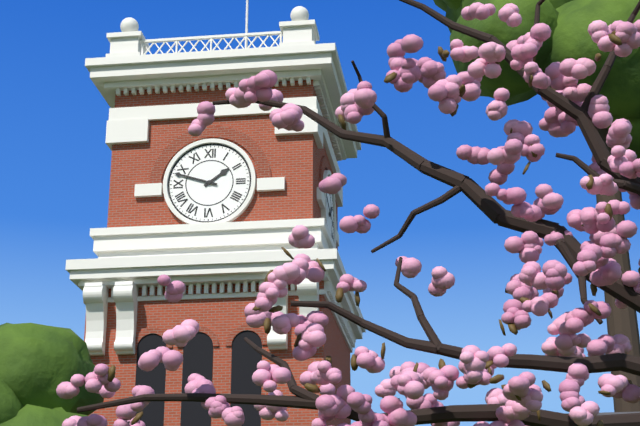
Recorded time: 1:48
